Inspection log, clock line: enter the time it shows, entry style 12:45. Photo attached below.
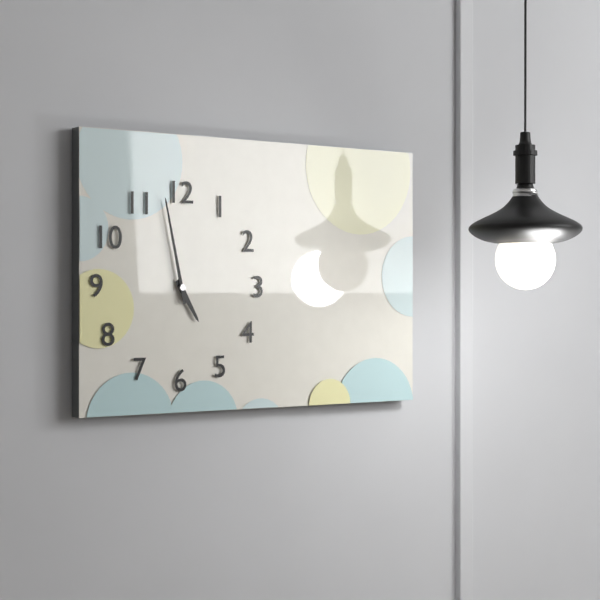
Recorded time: 4:58
